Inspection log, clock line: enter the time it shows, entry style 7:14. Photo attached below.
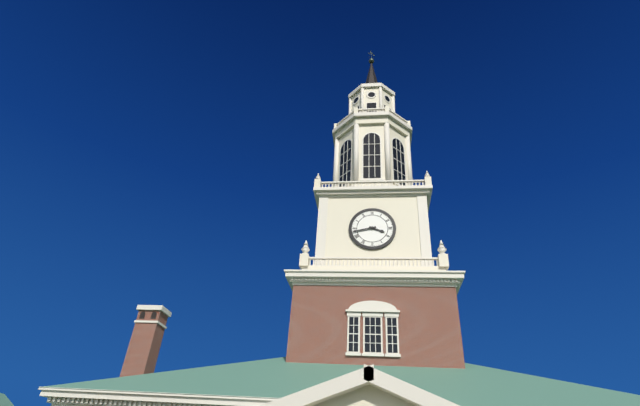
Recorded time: 3:43
